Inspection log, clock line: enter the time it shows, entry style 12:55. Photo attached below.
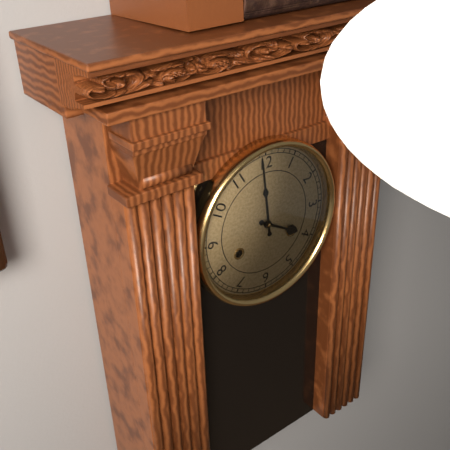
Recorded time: 3:59
